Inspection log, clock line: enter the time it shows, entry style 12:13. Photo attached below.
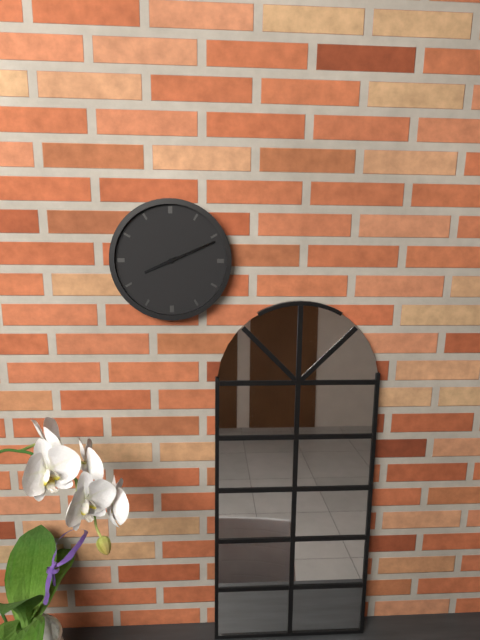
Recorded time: 8:11
